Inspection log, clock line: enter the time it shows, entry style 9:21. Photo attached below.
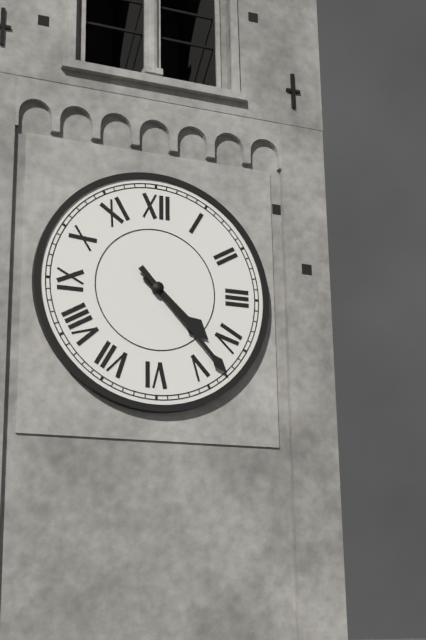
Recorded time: 4:23
